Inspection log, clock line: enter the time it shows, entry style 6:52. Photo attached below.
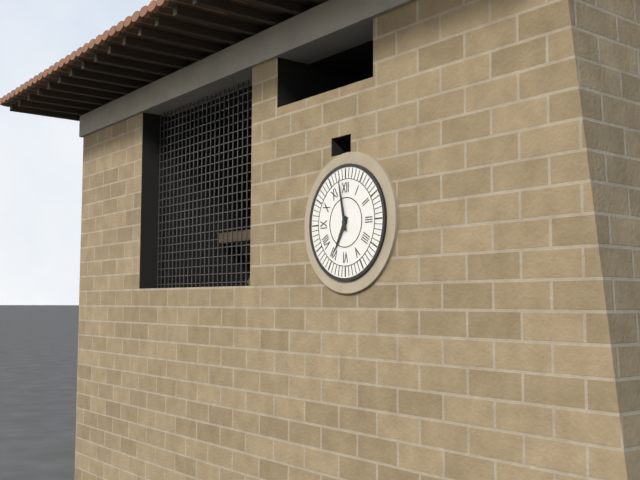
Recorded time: 6:58
